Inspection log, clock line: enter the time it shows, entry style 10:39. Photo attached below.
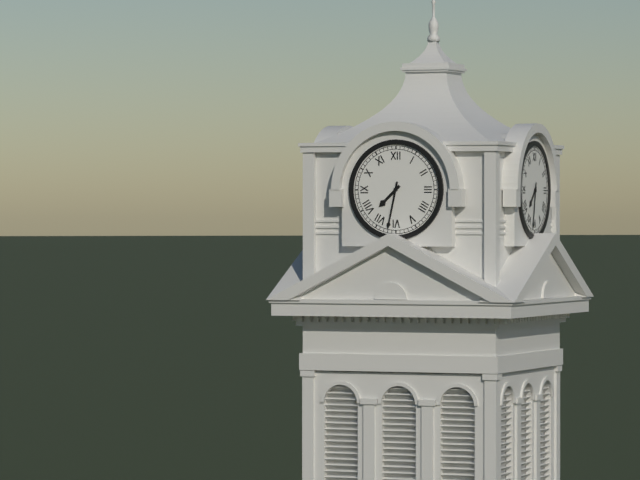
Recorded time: 7:32
